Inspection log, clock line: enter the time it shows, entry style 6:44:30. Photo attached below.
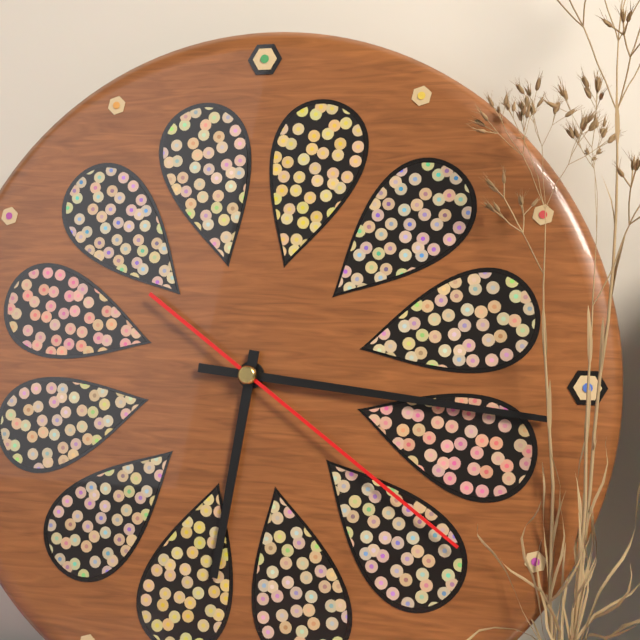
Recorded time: 6:16:21
